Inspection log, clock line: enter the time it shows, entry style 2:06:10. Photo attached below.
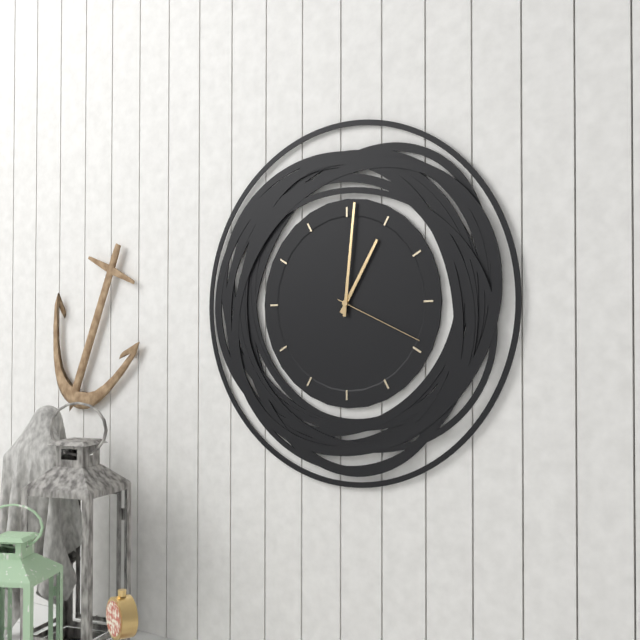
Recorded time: 1:01:19
